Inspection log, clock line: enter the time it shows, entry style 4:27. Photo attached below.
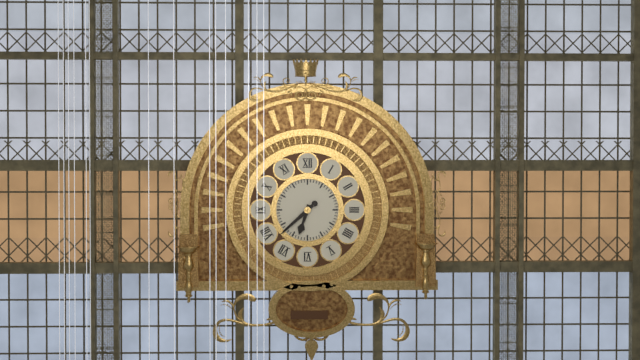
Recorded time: 6:38
